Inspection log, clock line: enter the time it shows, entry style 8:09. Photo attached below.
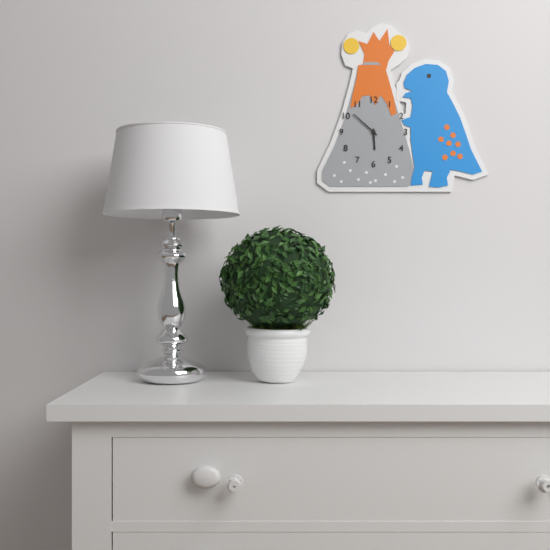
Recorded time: 5:52
